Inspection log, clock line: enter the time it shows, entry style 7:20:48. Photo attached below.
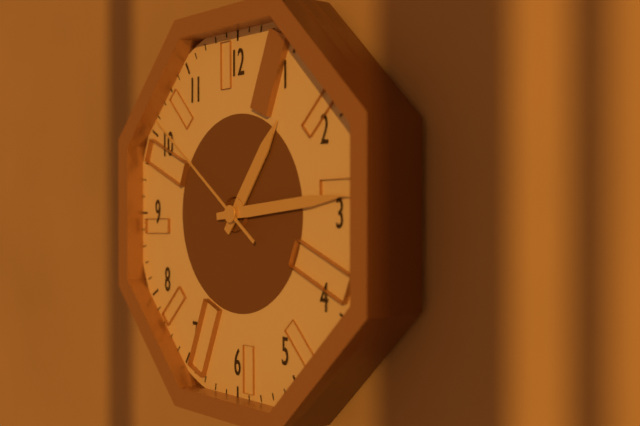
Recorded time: 1:14:51
